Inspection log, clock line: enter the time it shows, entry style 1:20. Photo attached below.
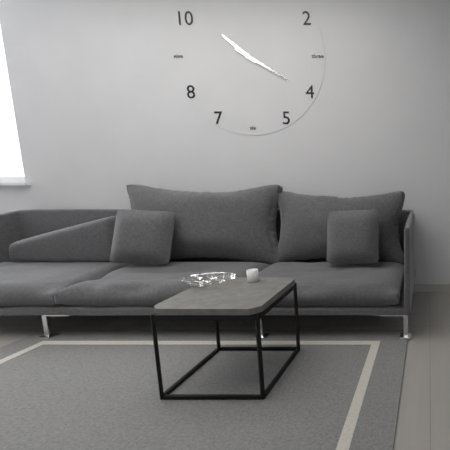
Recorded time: 10:20
